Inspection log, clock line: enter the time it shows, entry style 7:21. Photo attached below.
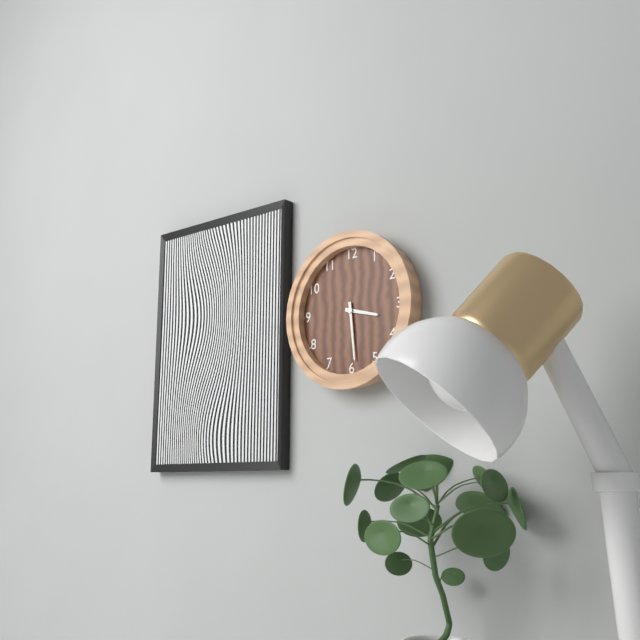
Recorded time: 3:29
